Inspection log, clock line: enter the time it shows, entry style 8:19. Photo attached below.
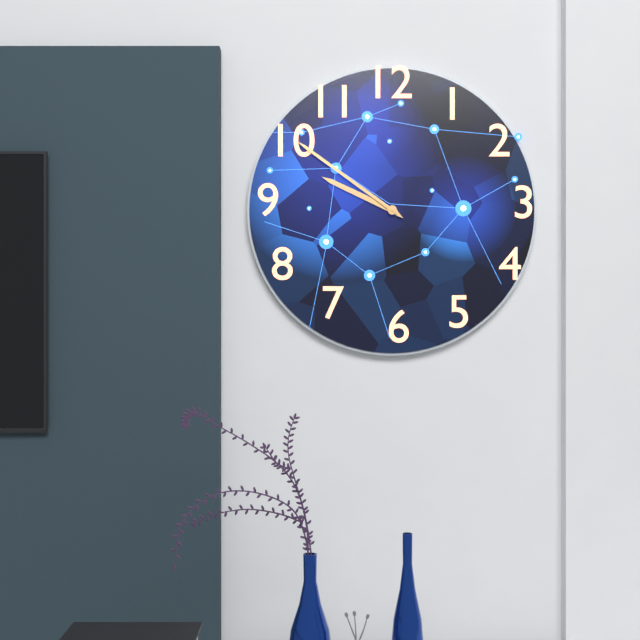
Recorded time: 9:51
